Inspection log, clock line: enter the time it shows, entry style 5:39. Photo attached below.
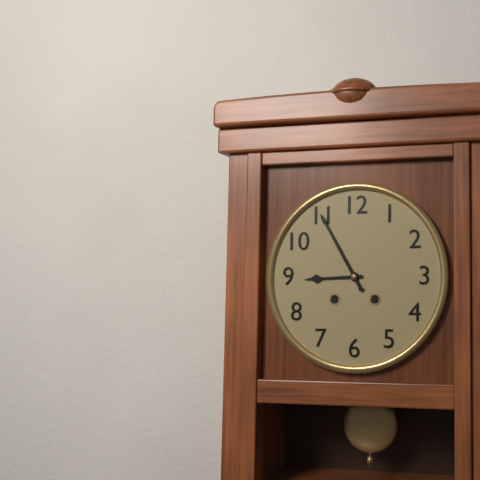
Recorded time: 8:55
